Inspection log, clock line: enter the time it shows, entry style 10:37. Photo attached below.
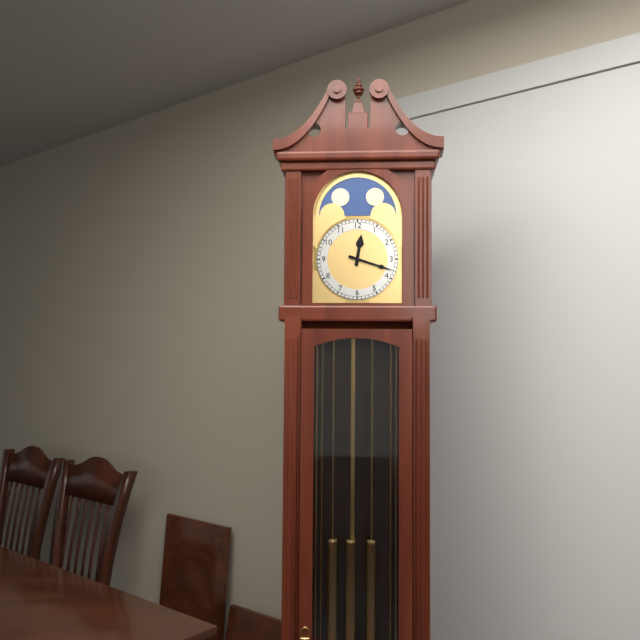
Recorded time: 12:18
